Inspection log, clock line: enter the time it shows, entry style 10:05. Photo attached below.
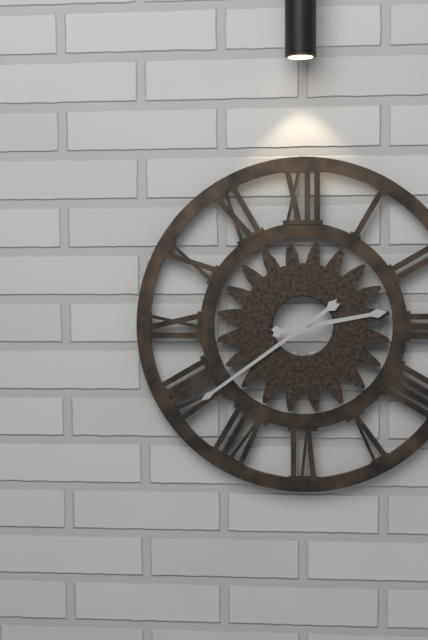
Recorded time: 2:39
